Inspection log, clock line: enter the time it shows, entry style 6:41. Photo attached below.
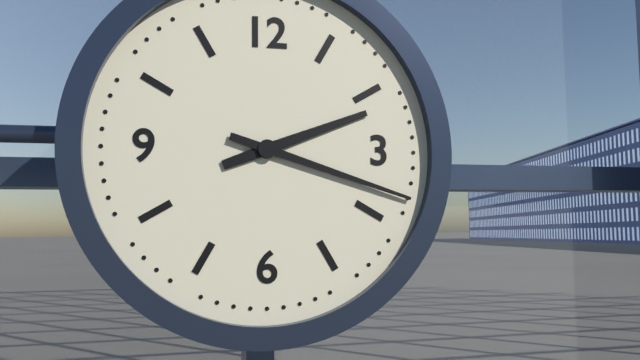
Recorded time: 2:18
